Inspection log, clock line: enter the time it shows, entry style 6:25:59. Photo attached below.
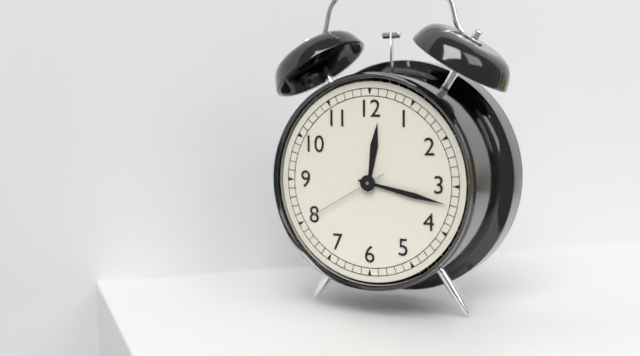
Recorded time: 12:17:40
